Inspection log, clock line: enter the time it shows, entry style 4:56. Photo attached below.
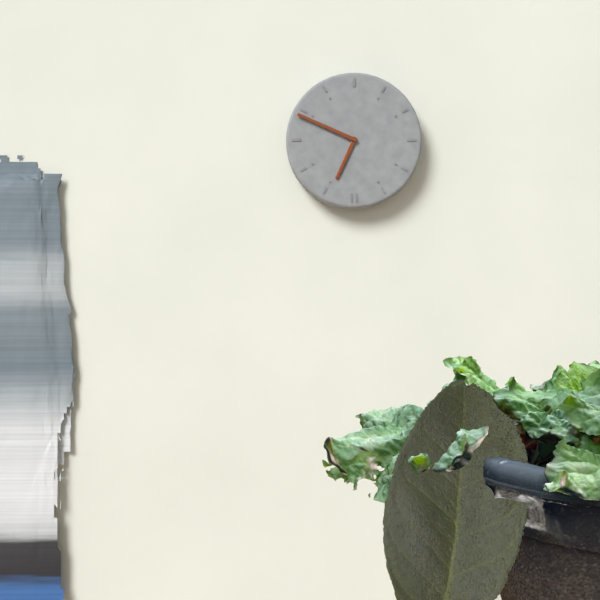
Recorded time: 6:49
